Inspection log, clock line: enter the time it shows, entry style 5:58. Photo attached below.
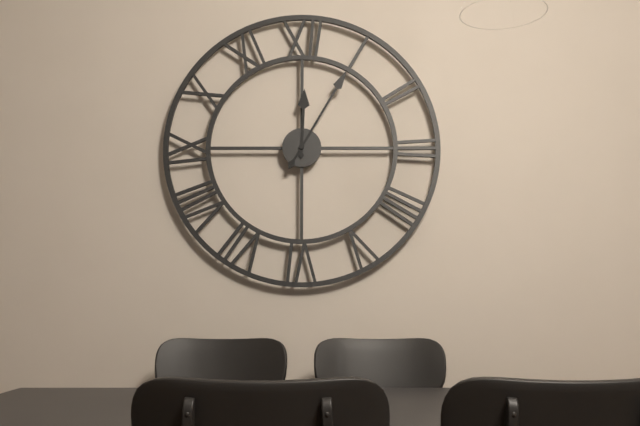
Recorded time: 12:05
